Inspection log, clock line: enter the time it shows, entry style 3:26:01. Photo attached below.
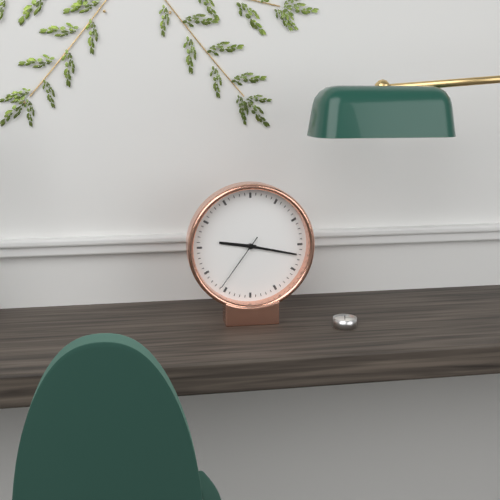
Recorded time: 9:17:36
